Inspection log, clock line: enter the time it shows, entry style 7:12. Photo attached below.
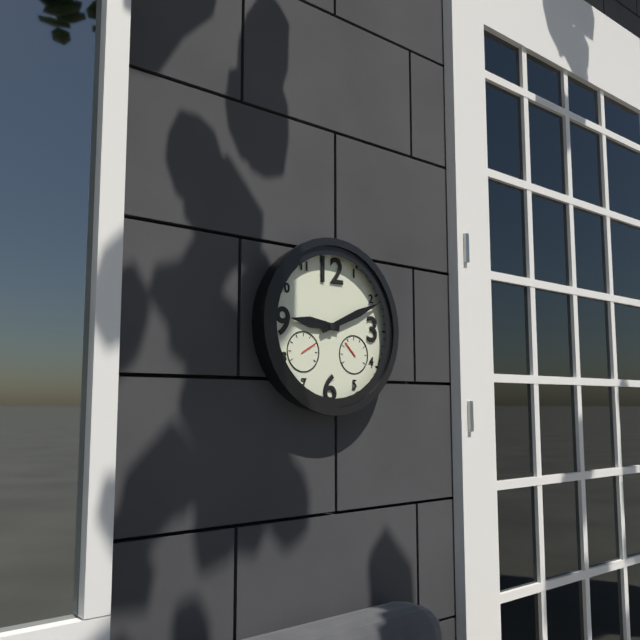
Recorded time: 9:11
